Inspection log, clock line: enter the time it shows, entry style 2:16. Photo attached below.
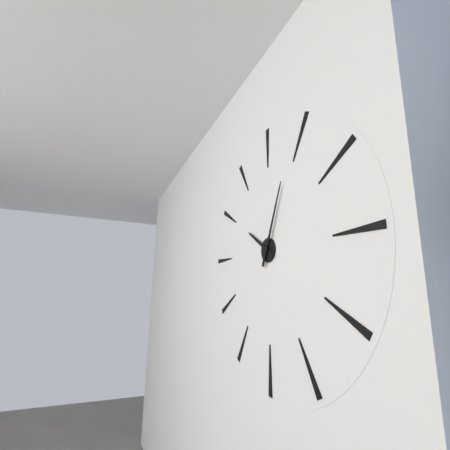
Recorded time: 10:04
